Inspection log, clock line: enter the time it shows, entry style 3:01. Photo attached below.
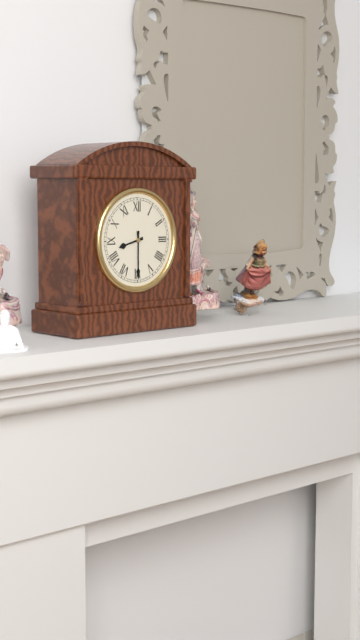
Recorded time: 8:30
